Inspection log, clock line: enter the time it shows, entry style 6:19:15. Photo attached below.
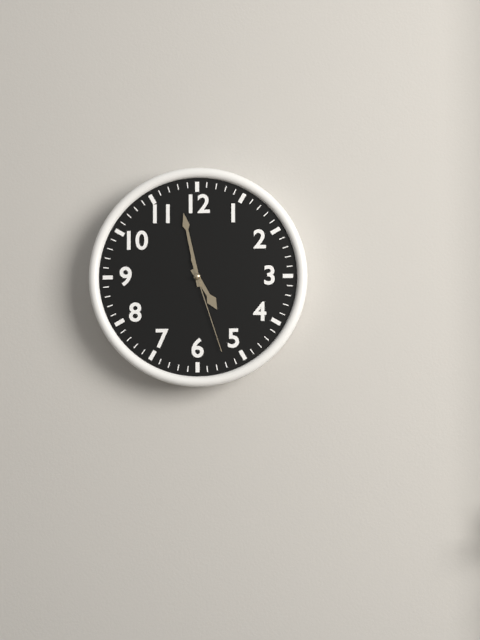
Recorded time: 4:58:27
